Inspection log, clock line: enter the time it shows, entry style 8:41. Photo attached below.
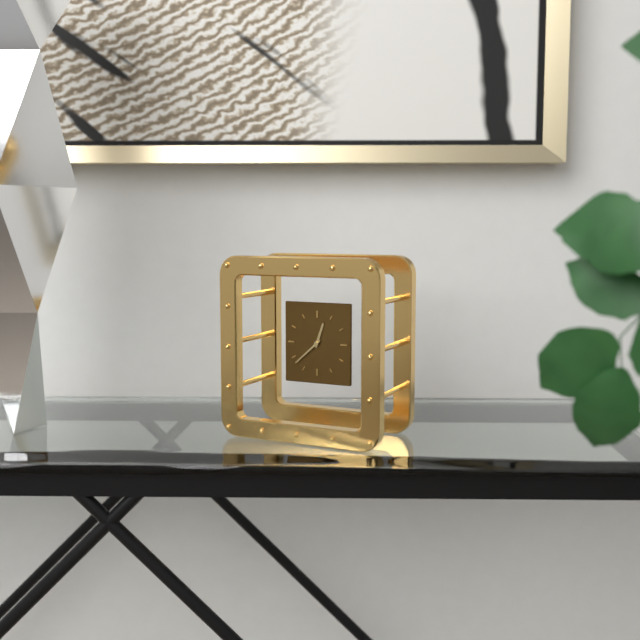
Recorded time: 12:38
